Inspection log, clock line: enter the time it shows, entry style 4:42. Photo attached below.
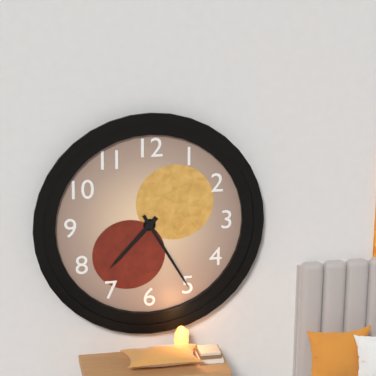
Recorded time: 7:25
